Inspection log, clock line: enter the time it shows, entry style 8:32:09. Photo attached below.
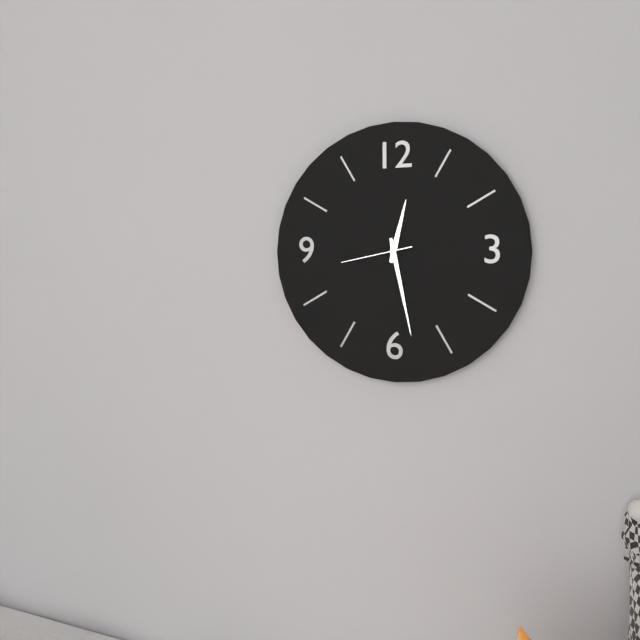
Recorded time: 12:28:43
